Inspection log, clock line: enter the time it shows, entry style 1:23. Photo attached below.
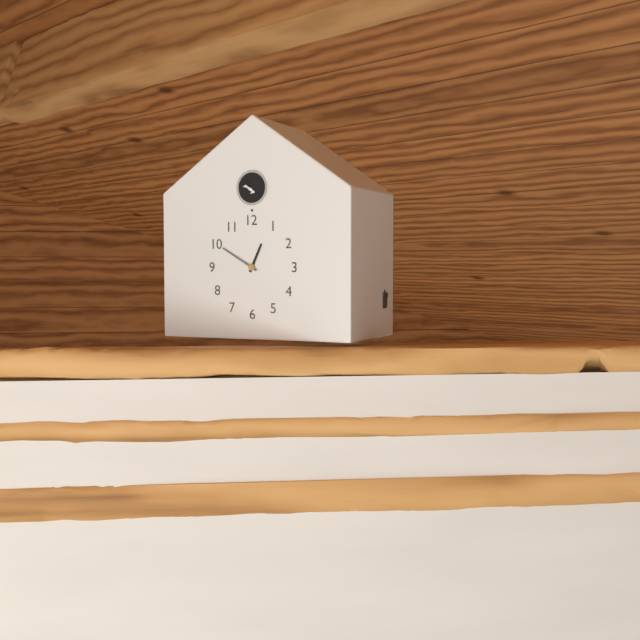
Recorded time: 12:50
